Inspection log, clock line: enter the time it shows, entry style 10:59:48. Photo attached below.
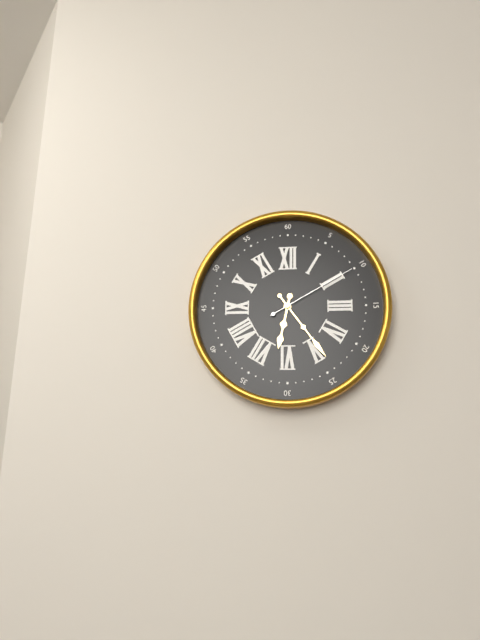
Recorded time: 6:24:10
